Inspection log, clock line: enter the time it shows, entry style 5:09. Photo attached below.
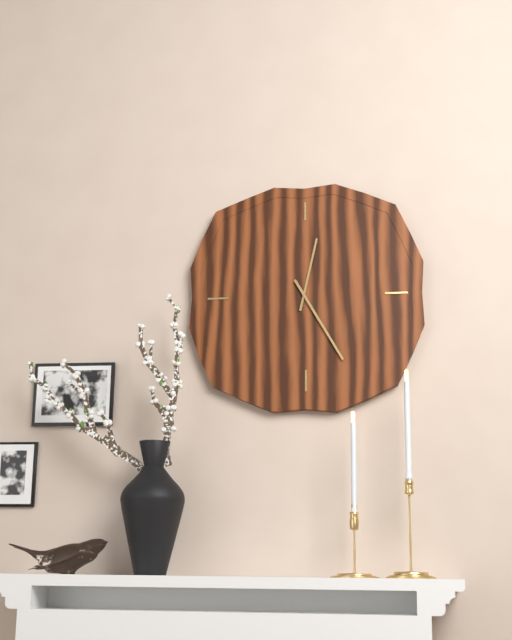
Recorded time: 12:25
